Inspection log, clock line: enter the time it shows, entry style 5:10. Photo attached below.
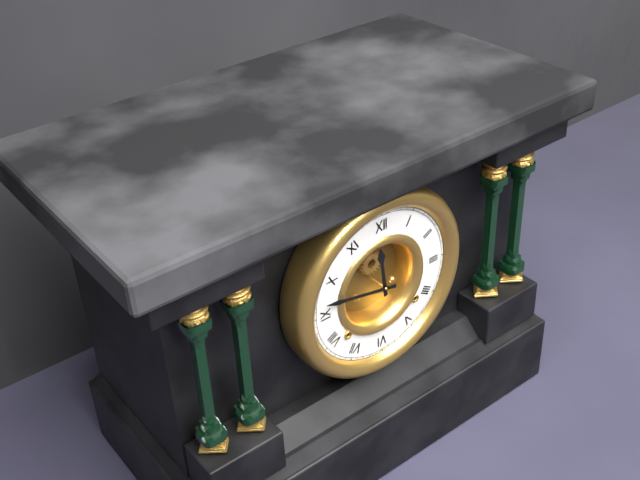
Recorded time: 11:47
